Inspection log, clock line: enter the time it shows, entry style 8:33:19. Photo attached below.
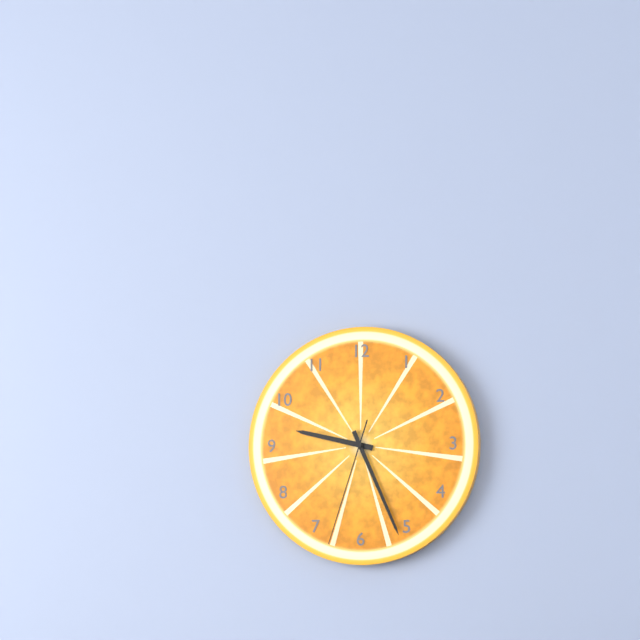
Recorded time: 9:26:33
